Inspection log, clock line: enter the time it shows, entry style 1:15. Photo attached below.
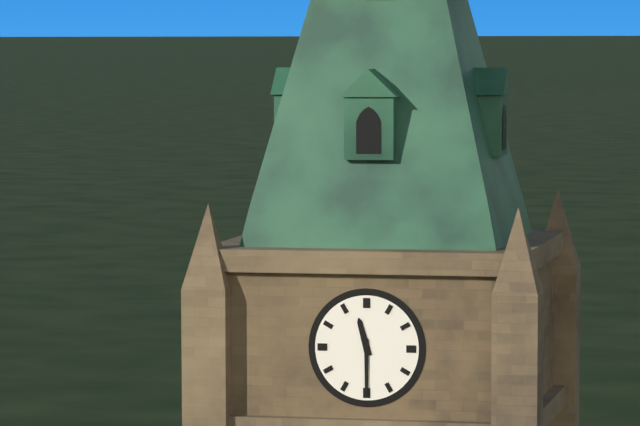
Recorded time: 11:30
